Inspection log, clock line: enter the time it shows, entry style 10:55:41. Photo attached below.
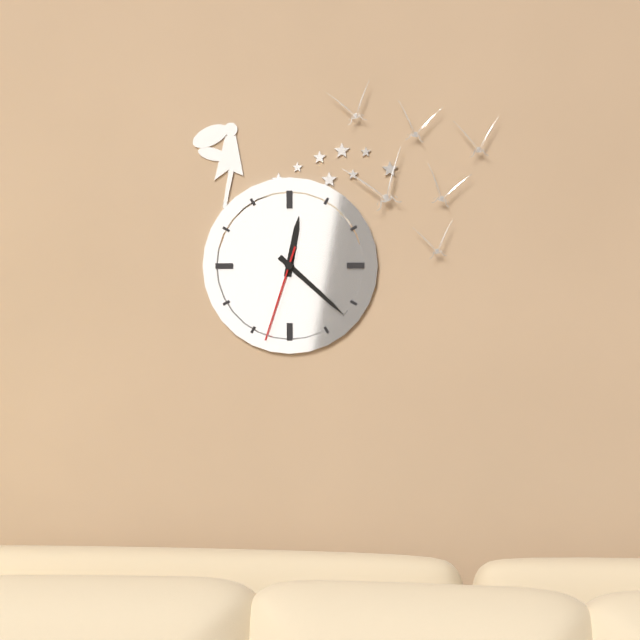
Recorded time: 12:22:33
